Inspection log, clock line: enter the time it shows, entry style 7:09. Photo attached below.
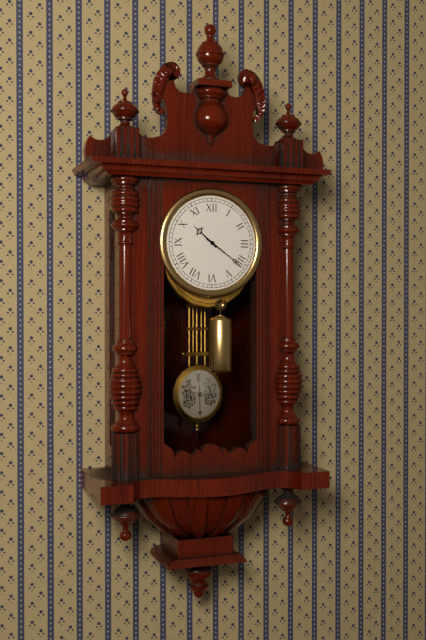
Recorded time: 10:21
